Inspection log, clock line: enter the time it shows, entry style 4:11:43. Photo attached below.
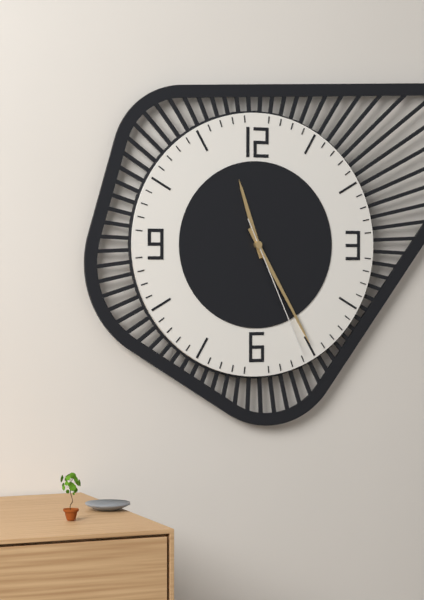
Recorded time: 11:25:26
